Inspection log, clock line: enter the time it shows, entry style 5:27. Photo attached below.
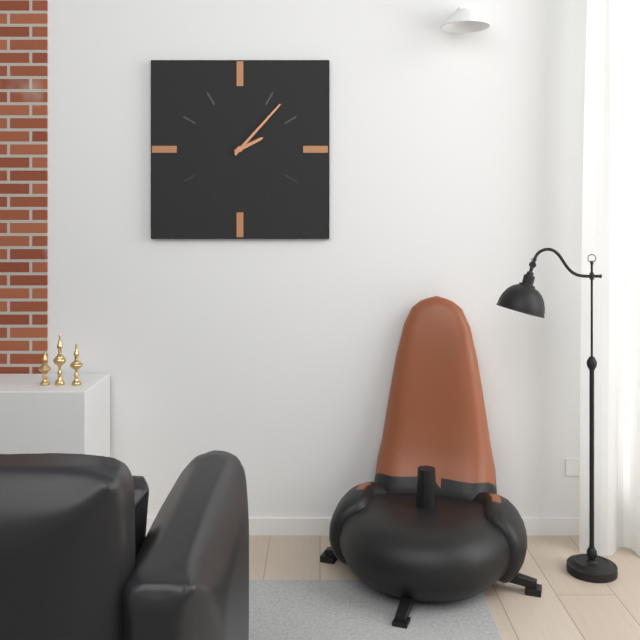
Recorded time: 2:07
